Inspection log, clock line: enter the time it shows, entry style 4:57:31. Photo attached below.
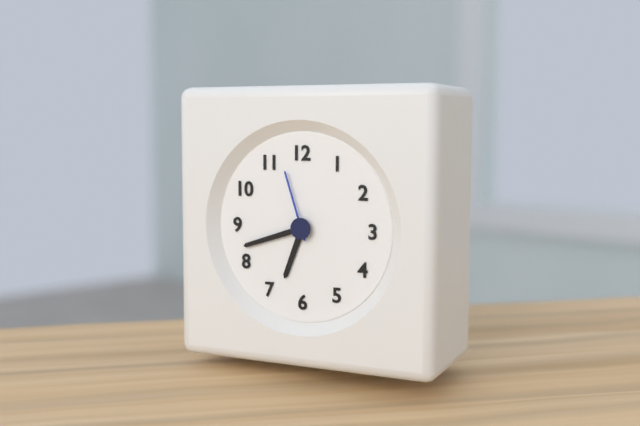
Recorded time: 6:42:57
